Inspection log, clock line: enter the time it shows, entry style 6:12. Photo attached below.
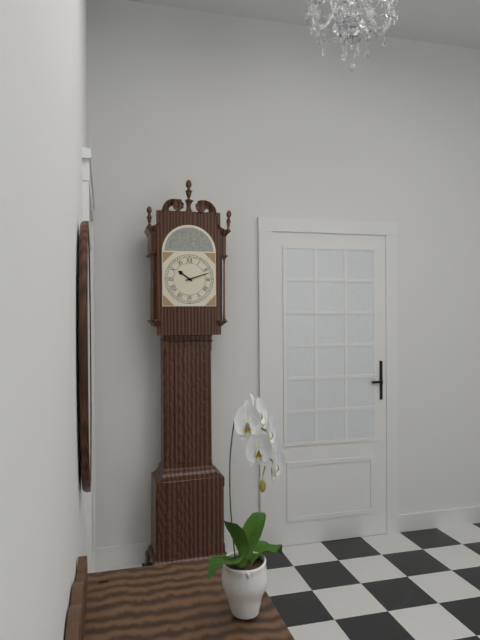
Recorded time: 10:12
